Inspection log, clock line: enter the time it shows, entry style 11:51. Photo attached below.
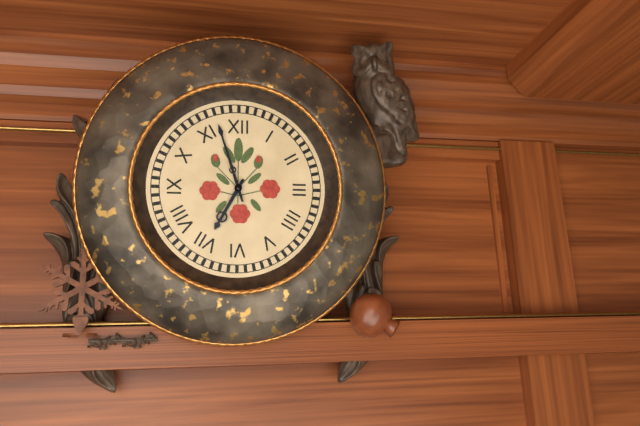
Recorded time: 6:57
